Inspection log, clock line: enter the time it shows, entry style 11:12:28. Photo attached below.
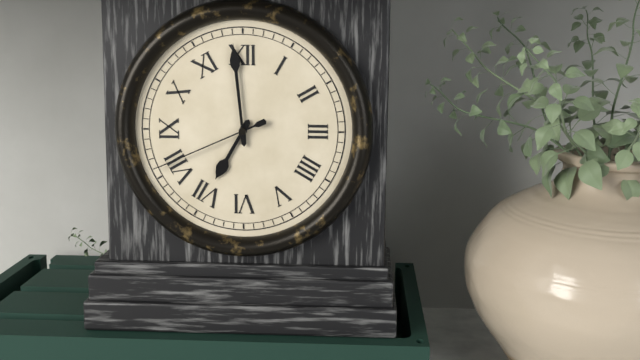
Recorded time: 6:59:41
